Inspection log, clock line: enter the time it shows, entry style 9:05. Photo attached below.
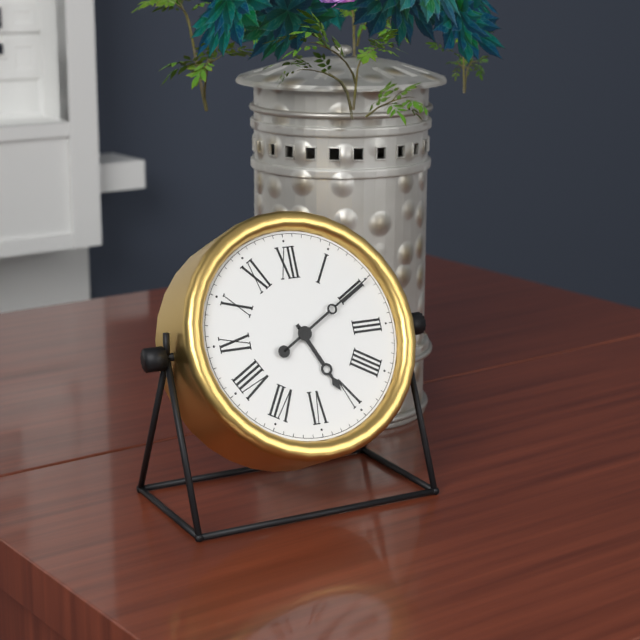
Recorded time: 5:10
